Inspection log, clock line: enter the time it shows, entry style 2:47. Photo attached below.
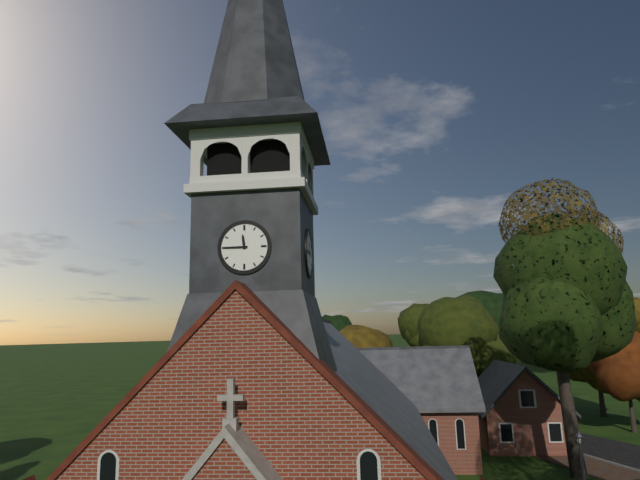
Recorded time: 11:45
